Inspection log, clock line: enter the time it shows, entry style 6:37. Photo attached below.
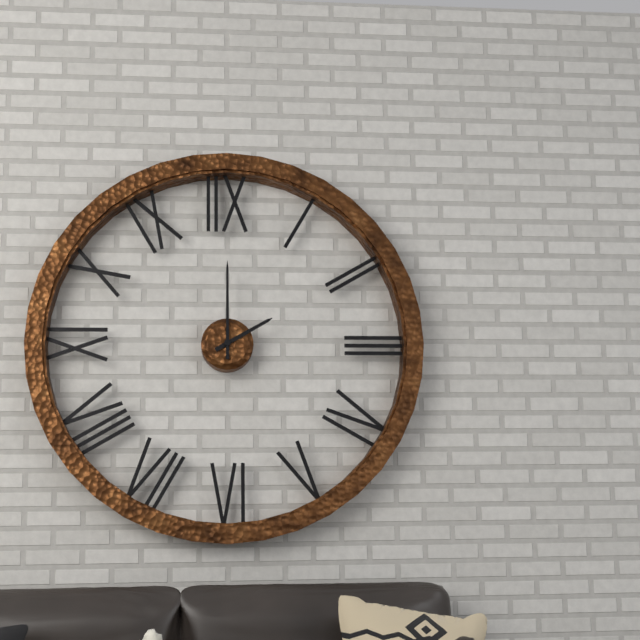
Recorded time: 2:00
